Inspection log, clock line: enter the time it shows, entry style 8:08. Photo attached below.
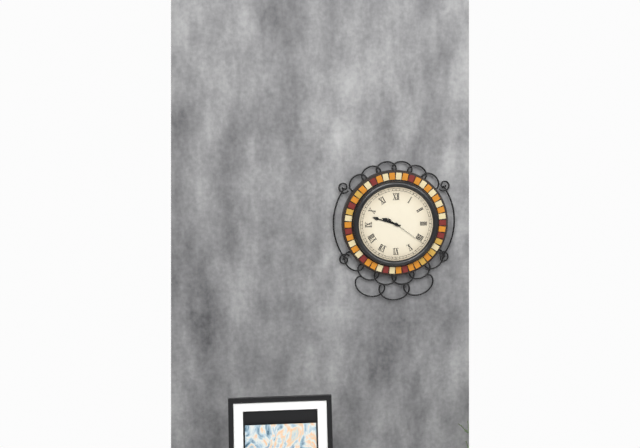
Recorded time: 9:48
